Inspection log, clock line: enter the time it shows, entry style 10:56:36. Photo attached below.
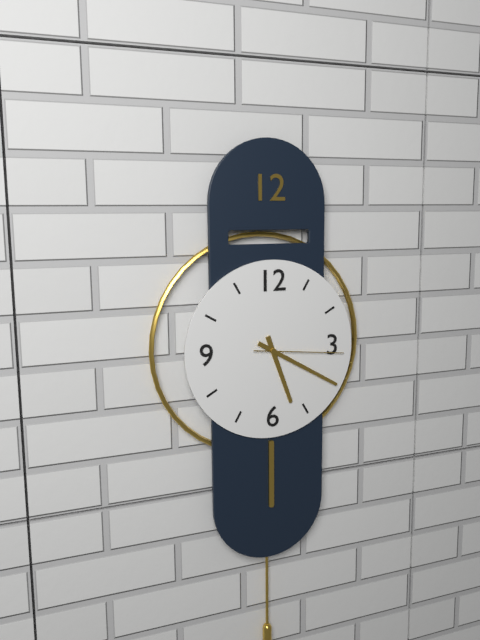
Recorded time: 5:20:16
